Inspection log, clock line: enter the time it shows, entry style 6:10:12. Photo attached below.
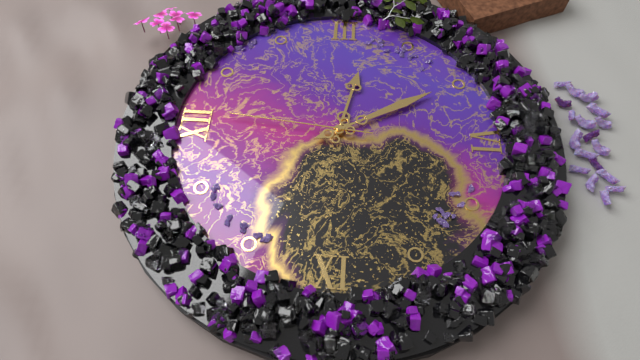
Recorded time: 3:25:01
